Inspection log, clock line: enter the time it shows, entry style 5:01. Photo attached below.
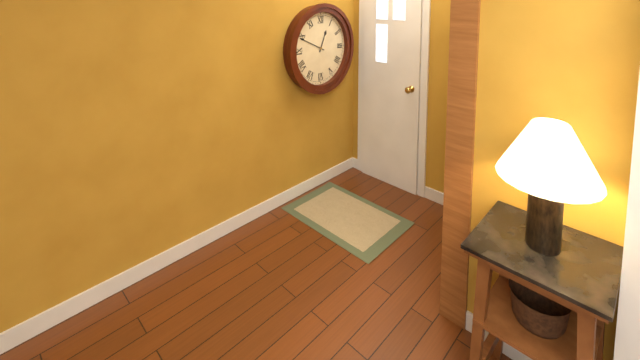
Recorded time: 12:49
